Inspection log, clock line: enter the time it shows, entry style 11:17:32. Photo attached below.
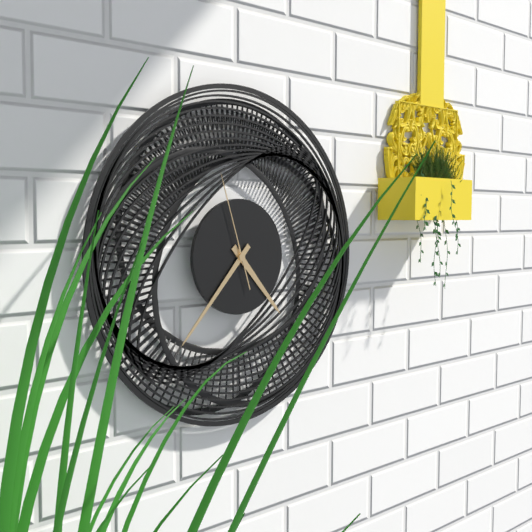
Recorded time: 4:37:57
